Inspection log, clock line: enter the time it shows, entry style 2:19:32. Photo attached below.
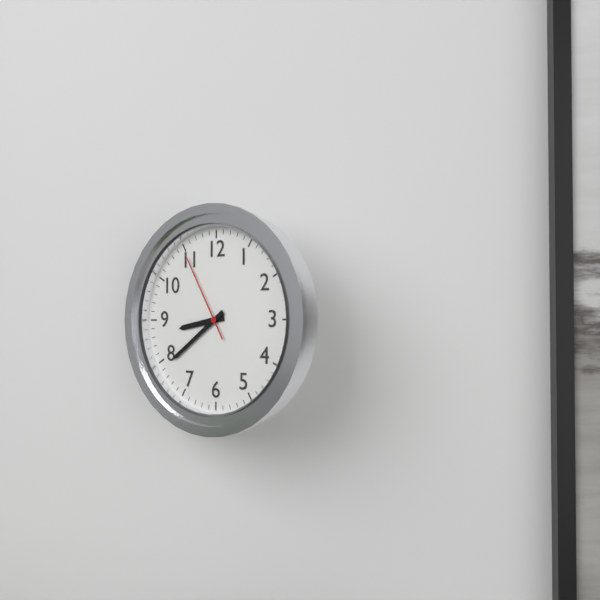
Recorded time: 8:39:55
